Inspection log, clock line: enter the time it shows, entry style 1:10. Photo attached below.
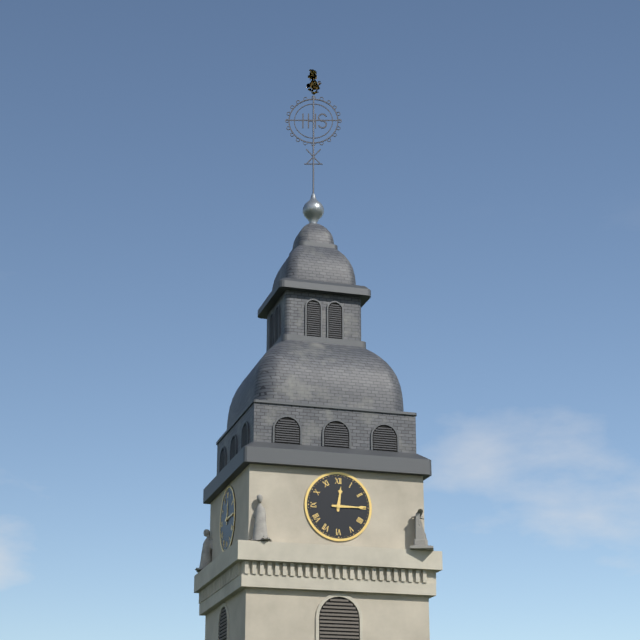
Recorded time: 12:15
